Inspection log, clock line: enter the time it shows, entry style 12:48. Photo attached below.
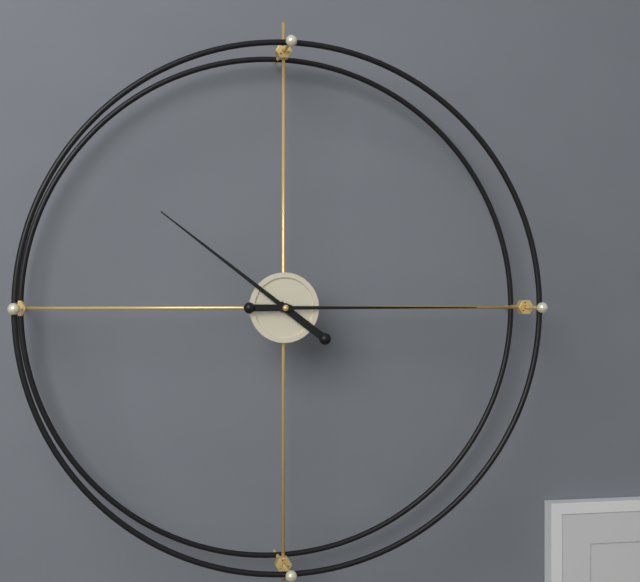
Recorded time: 10:15
